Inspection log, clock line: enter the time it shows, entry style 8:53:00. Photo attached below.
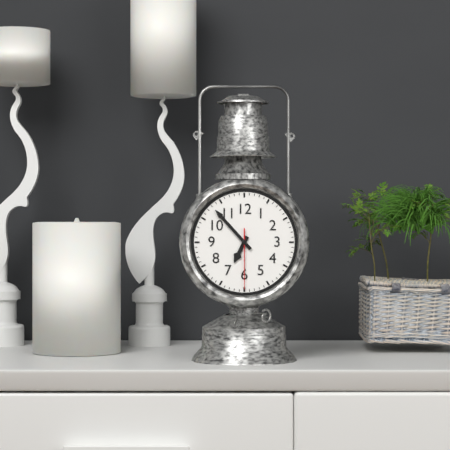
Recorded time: 6:53:30
